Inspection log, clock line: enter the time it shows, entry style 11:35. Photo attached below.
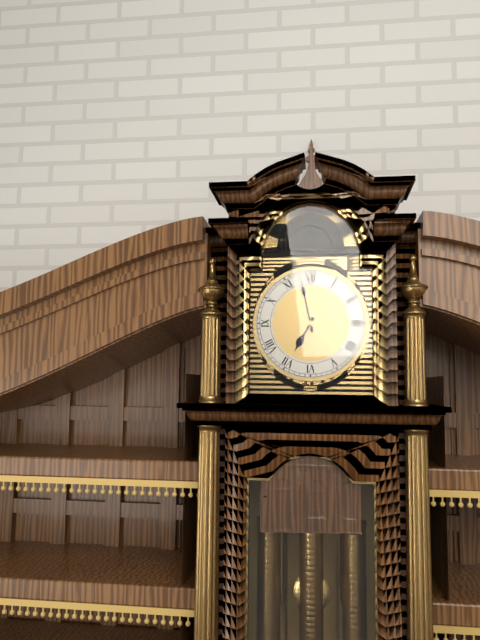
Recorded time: 6:58
